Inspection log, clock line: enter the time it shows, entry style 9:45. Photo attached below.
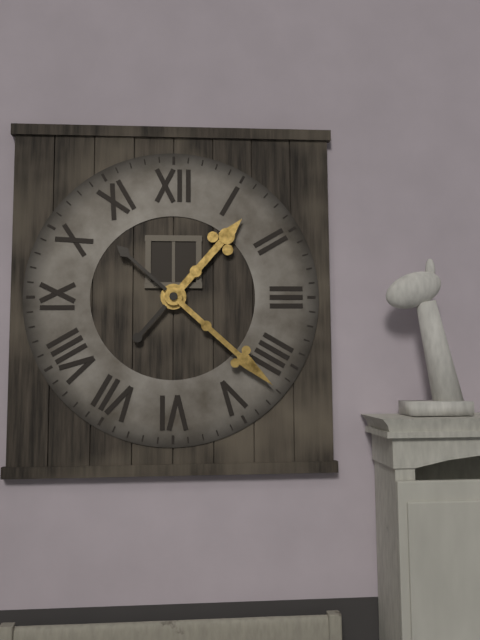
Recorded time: 1:22
